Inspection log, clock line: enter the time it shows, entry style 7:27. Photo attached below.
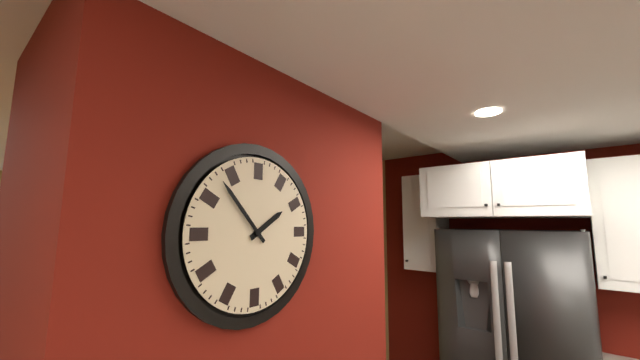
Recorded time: 1:53
